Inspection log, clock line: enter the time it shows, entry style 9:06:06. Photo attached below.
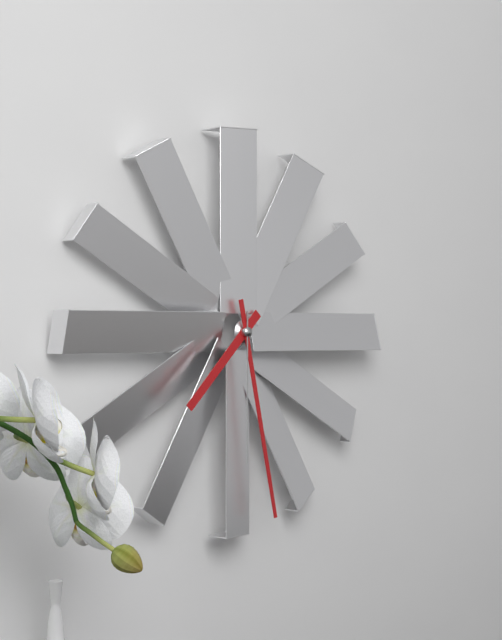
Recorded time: 7:28:30
